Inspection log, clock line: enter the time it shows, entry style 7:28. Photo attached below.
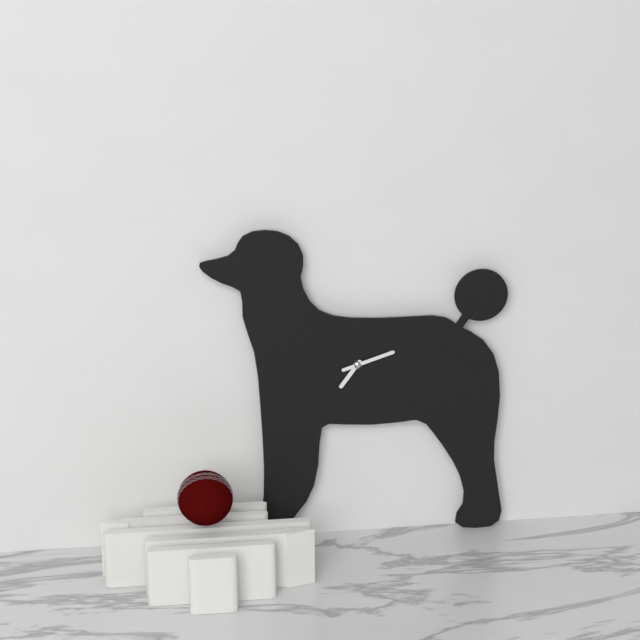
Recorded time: 7:12
